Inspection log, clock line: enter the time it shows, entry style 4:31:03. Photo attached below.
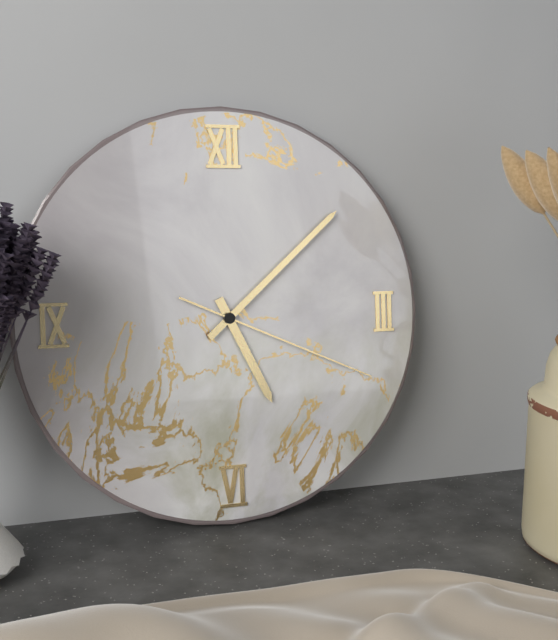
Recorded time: 5:08:19
